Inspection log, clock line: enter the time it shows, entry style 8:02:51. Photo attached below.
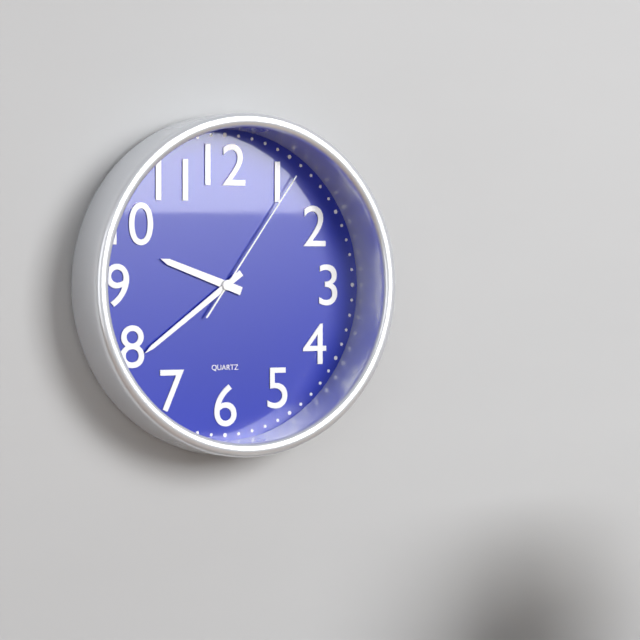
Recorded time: 9:39:06
